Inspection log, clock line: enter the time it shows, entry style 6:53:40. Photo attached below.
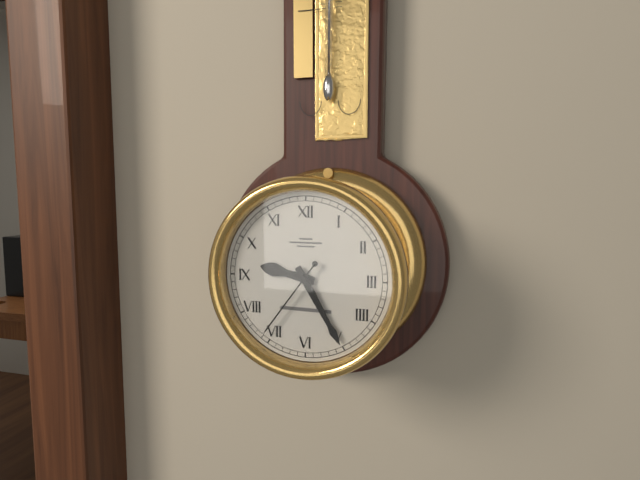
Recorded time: 9:25:36
